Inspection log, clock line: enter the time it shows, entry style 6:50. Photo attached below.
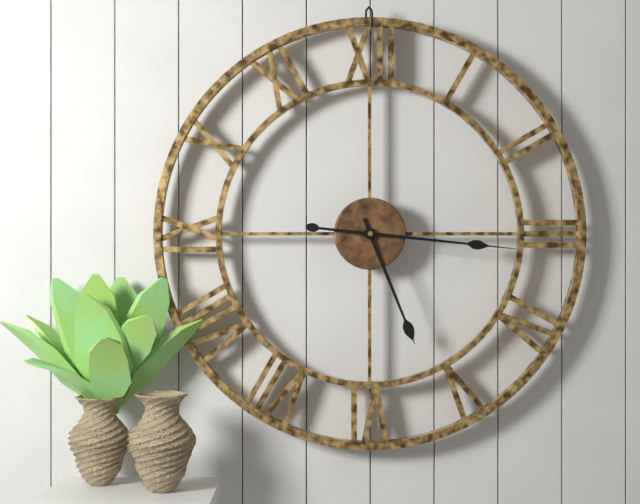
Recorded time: 5:16
